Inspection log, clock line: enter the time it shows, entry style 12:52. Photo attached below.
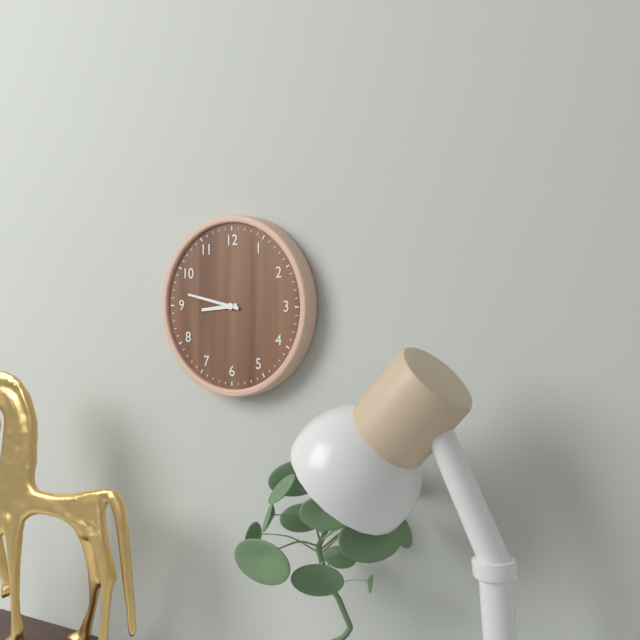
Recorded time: 8:47
